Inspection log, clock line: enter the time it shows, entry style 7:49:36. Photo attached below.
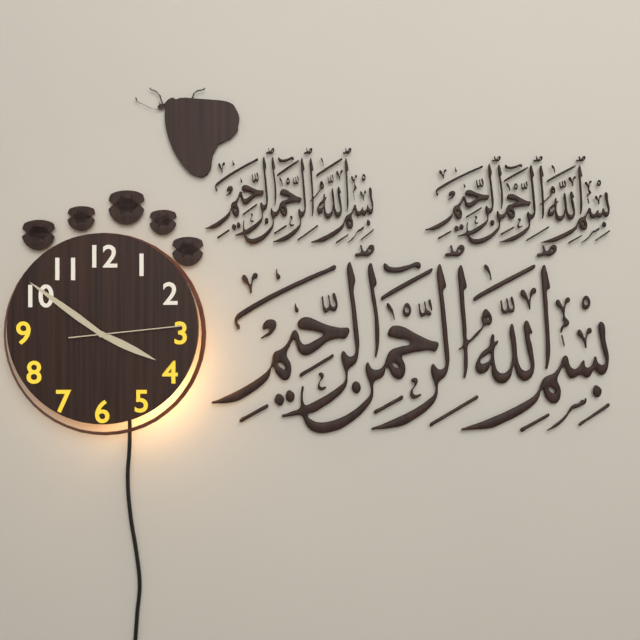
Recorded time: 3:51:14
